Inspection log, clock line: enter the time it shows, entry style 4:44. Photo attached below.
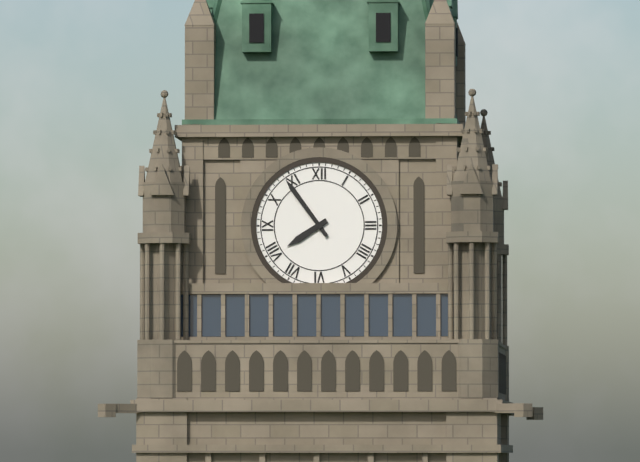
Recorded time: 7:54
